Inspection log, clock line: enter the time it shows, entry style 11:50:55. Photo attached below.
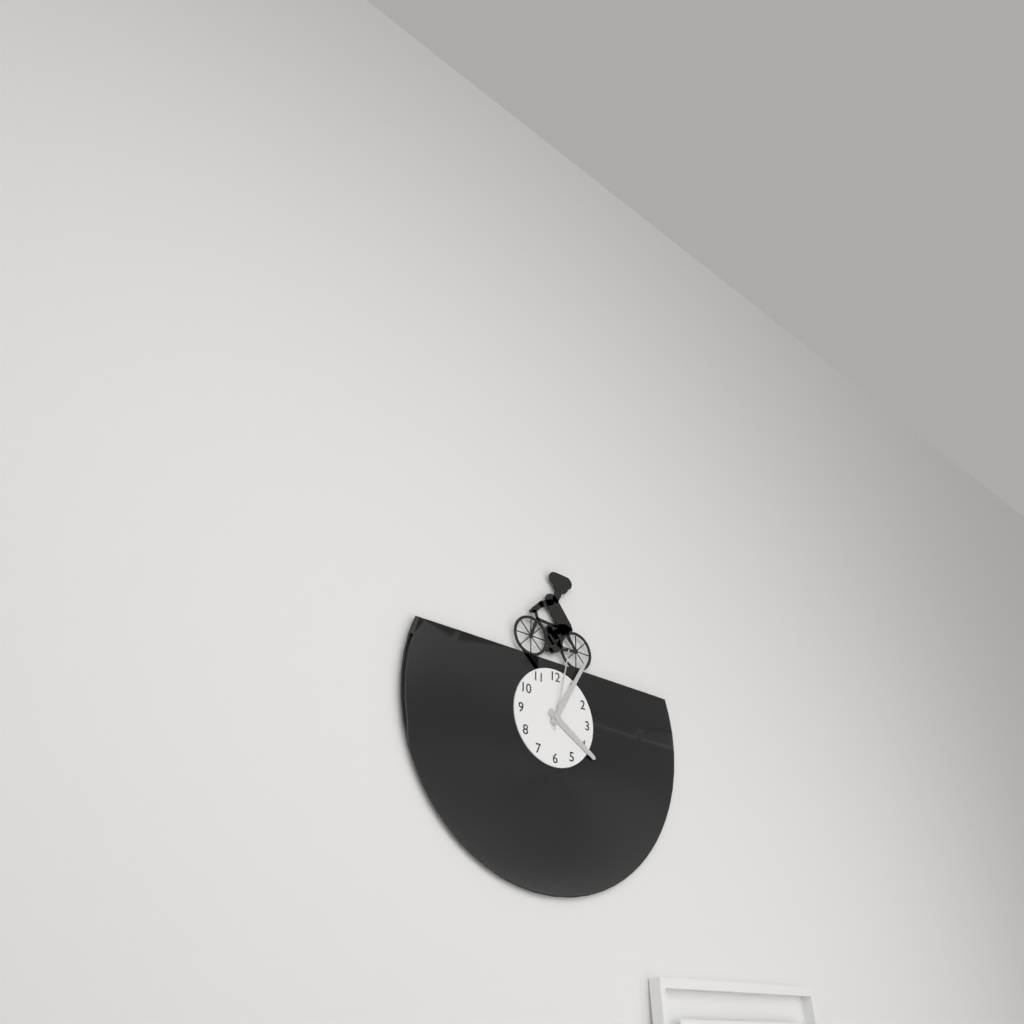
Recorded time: 4:05:02
